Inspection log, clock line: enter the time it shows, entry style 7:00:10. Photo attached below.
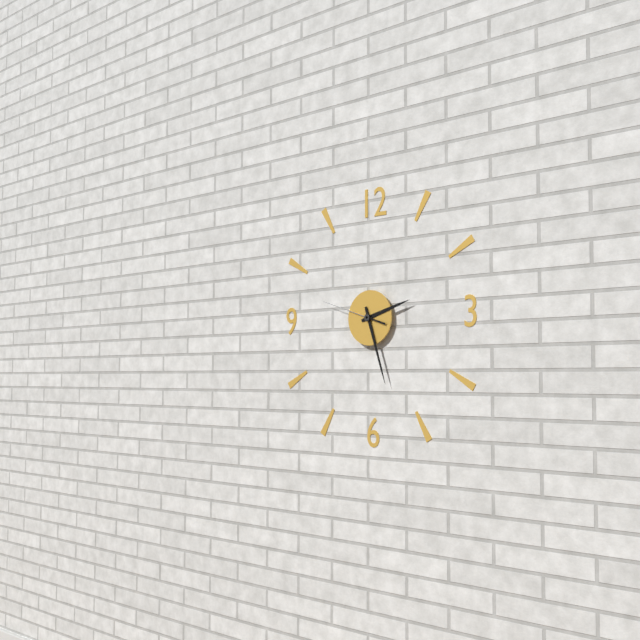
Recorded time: 2:27:48
